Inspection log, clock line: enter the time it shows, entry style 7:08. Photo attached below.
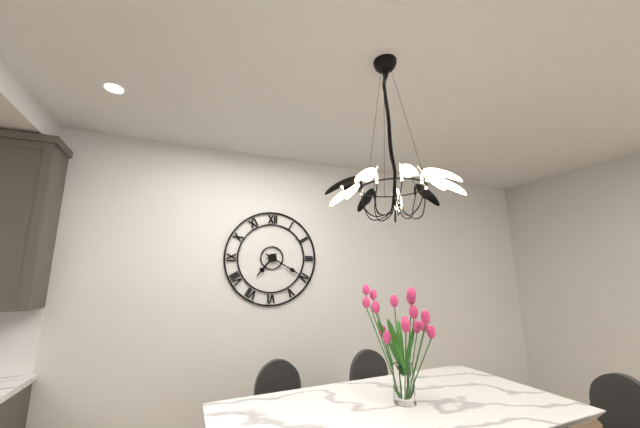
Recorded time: 7:20
